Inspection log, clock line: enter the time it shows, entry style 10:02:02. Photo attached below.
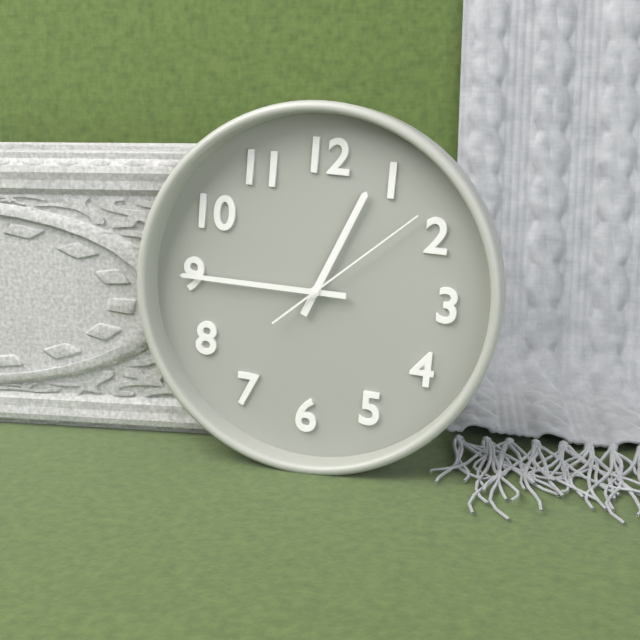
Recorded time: 12:45:08
